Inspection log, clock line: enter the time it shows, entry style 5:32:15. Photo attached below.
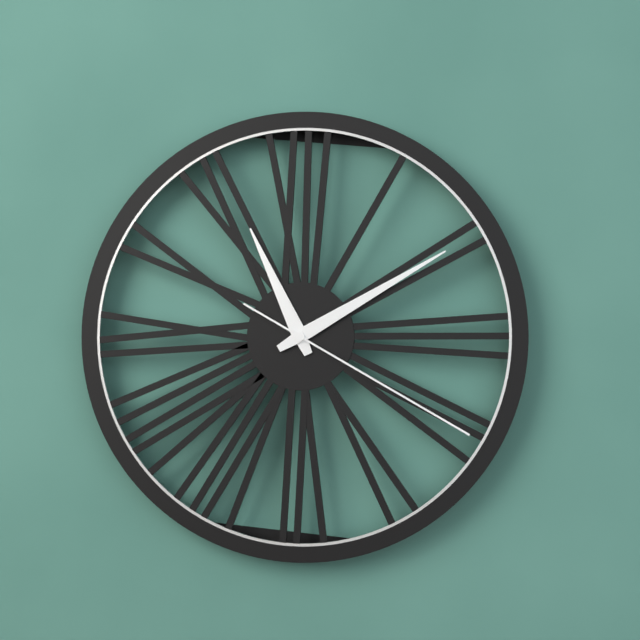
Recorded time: 11:10:20
